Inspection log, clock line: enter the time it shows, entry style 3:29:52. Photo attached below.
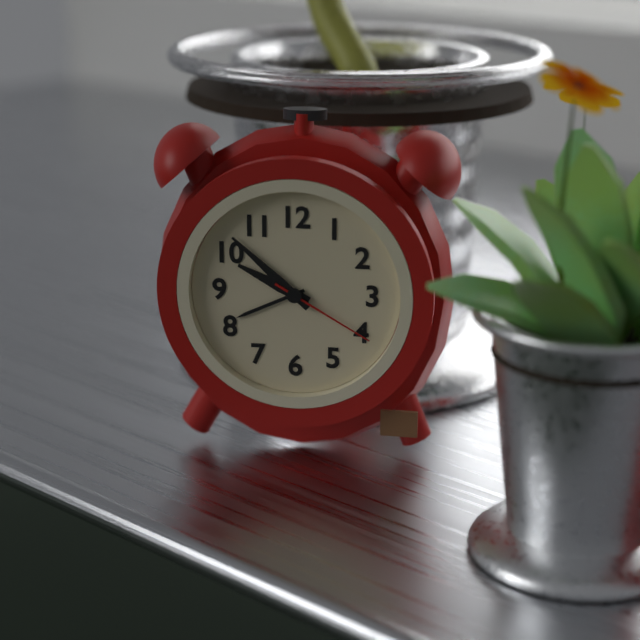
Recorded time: 9:52:20
